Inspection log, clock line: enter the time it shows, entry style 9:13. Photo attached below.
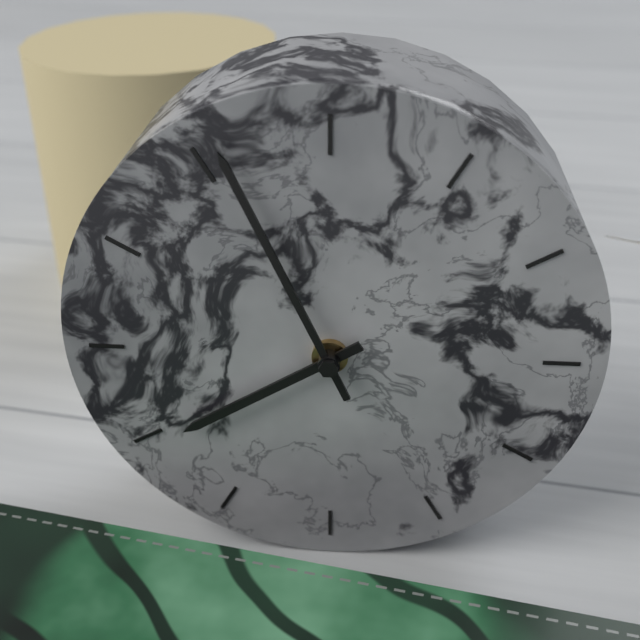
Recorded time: 7:56
